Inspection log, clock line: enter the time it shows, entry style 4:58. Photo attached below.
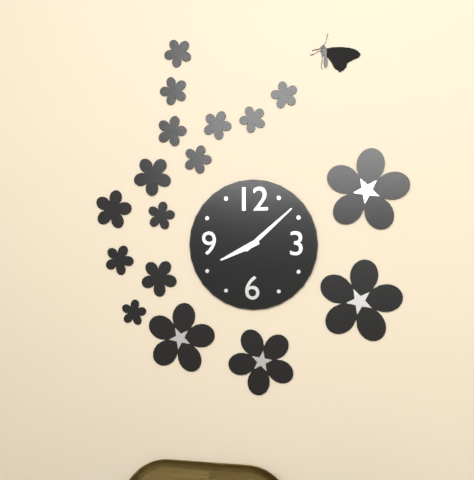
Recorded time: 8:08
